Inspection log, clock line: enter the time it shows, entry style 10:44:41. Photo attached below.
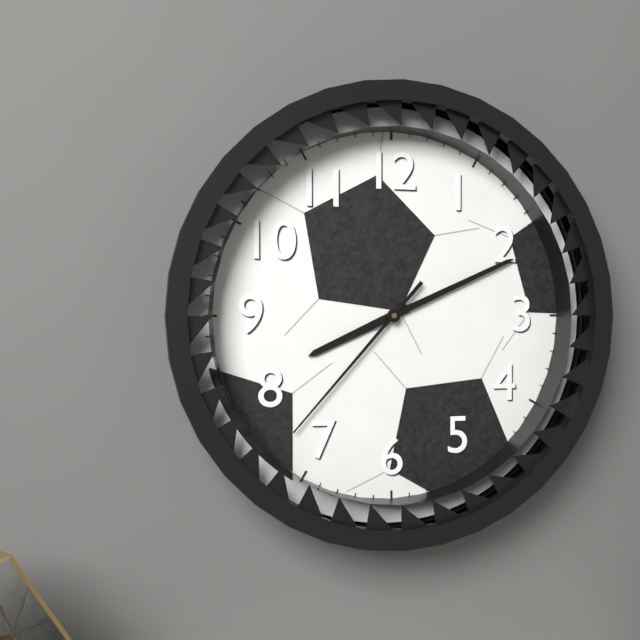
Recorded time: 8:11:37
